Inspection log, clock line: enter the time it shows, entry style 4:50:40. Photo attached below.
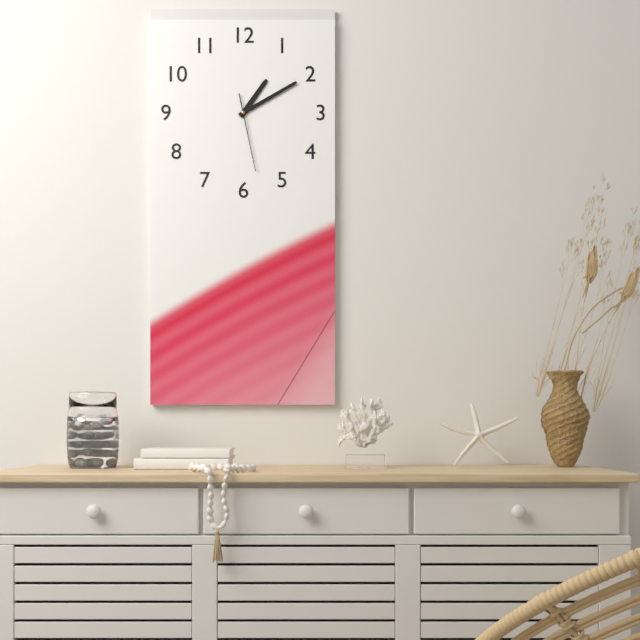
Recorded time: 1:10:28
